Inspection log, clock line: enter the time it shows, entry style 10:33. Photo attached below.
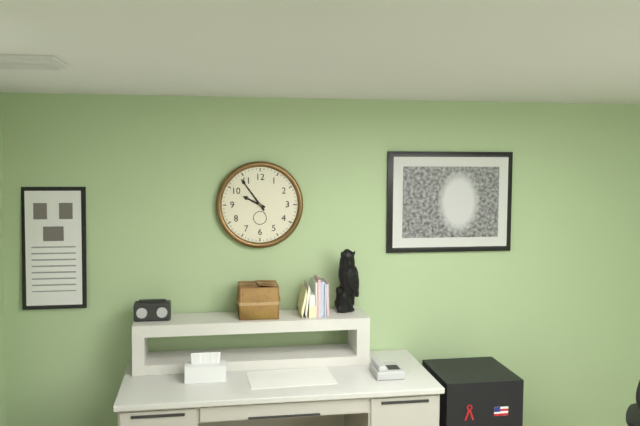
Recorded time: 9:54
